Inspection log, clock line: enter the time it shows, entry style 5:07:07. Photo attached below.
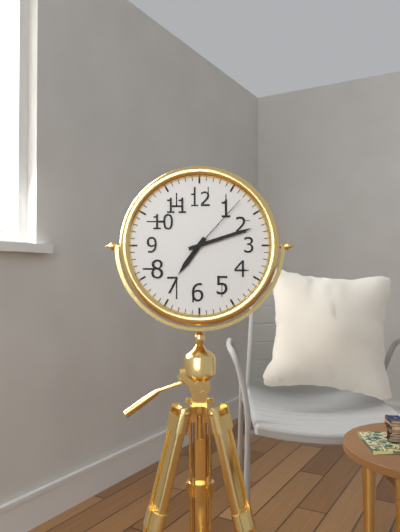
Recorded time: 7:12:07
